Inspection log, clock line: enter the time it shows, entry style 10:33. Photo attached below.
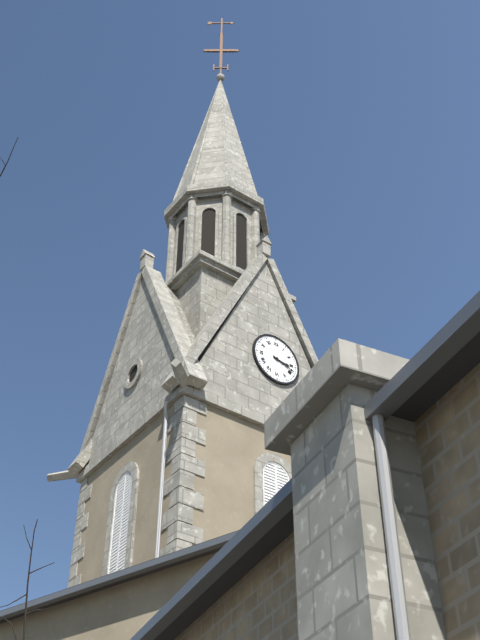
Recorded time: 3:18
